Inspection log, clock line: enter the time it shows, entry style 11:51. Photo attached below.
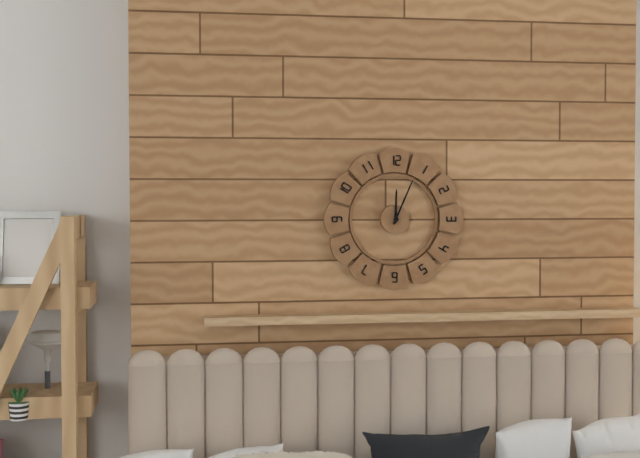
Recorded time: 12:04
